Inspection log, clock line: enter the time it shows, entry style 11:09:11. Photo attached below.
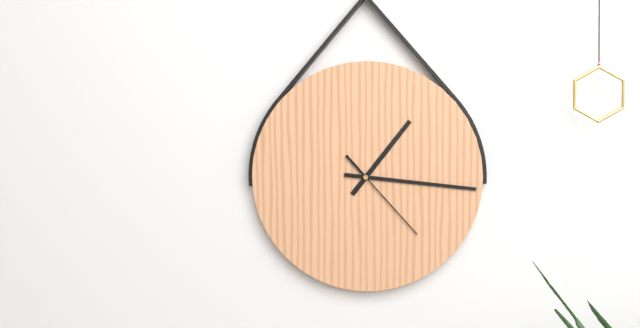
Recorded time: 1:16:23
